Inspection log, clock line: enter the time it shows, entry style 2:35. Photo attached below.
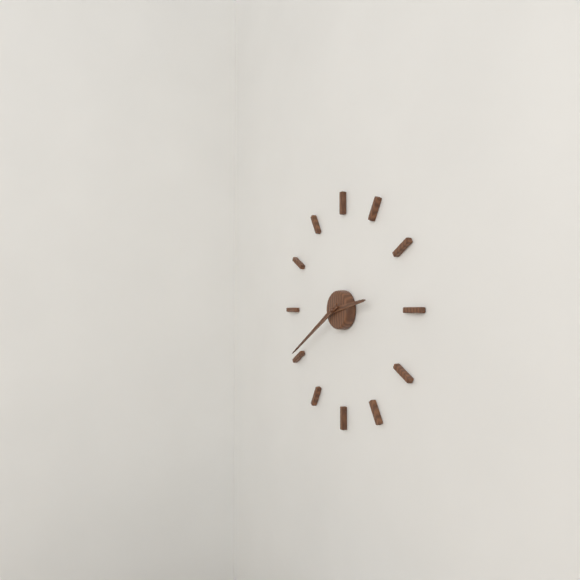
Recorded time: 2:40
